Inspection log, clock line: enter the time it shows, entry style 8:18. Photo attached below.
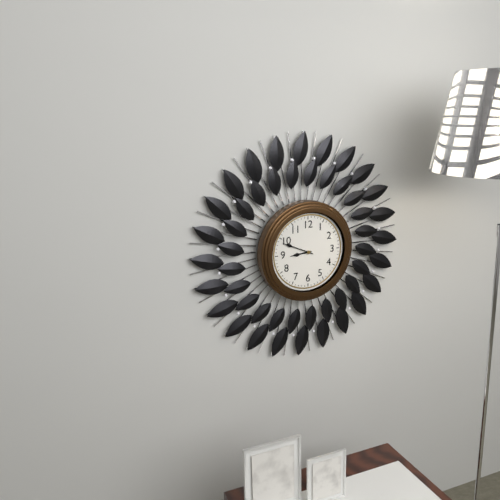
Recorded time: 8:49
